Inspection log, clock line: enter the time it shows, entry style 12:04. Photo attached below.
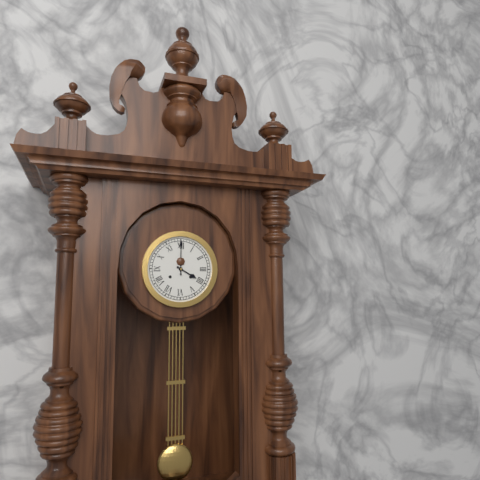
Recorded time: 4:00
